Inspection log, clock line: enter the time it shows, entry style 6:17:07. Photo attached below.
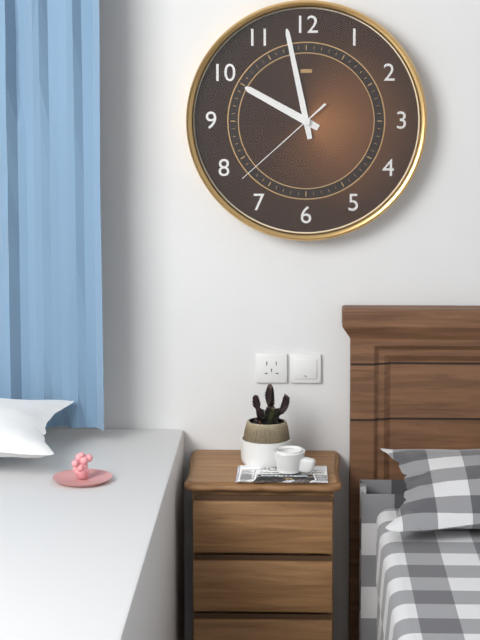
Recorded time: 9:58:38
